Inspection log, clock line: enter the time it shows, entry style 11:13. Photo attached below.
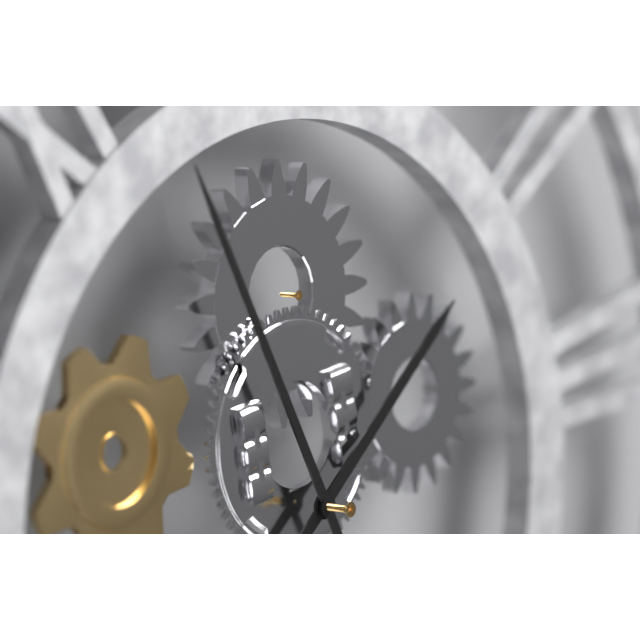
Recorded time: 1:57
